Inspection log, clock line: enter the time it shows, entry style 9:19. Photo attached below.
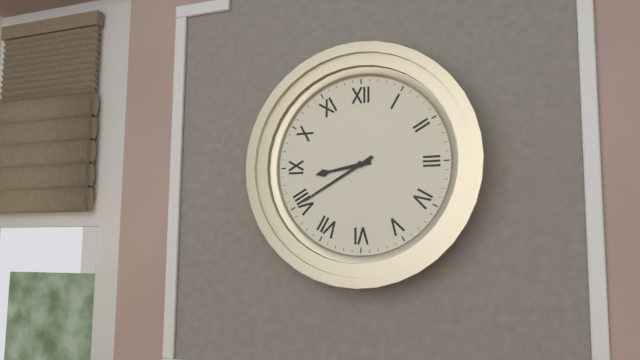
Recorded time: 8:40
